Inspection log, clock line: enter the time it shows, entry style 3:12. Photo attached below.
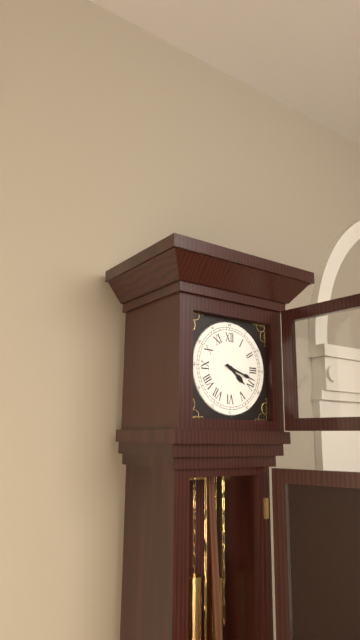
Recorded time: 4:18
